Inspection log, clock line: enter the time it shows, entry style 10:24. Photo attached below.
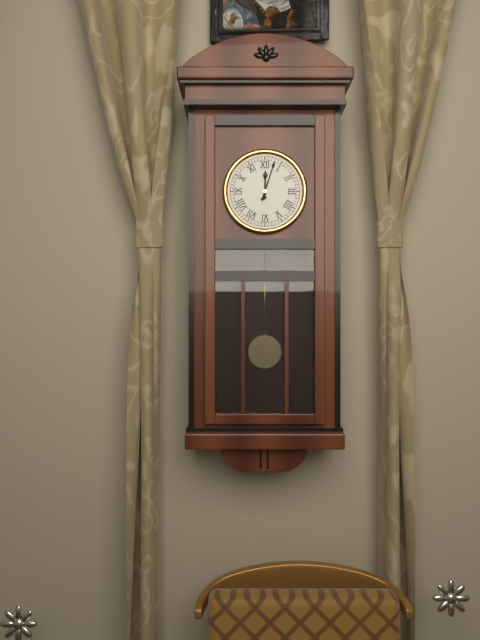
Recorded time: 12:03
